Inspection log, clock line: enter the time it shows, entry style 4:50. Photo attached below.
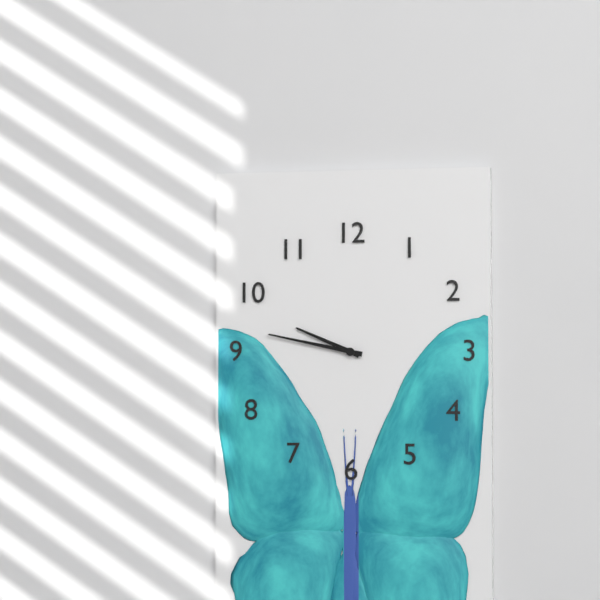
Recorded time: 9:47
